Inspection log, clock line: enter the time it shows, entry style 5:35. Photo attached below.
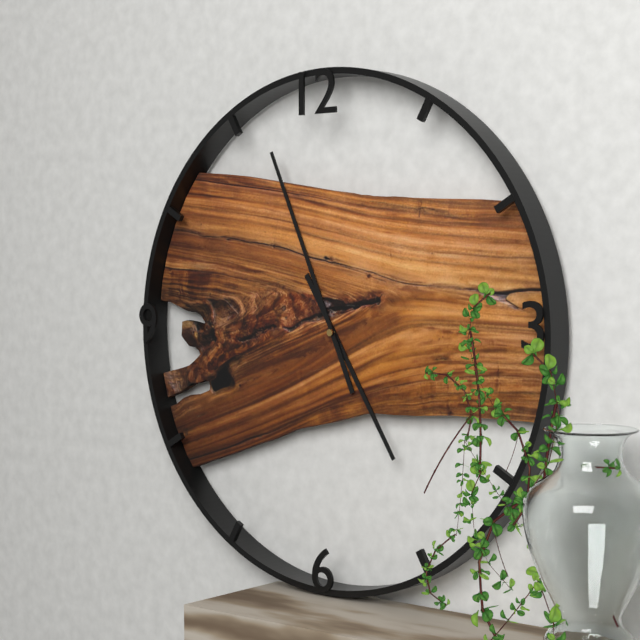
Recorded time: 4:56
